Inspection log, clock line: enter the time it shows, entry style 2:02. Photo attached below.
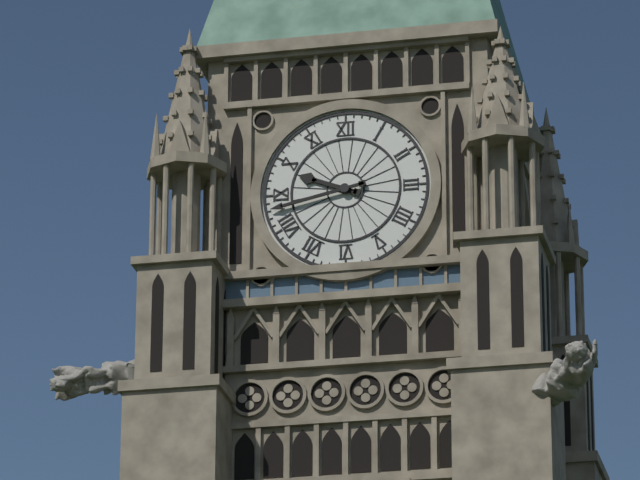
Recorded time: 9:43
